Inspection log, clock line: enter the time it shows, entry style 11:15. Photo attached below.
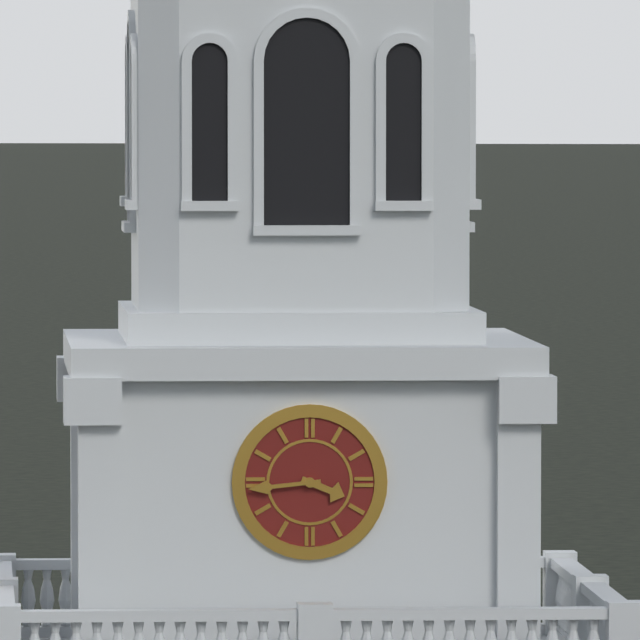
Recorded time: 3:44
